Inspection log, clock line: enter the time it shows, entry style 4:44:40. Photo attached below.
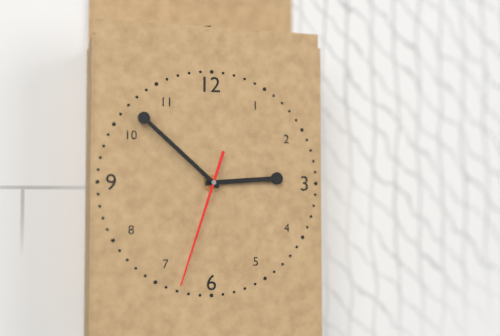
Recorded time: 2:52:33
